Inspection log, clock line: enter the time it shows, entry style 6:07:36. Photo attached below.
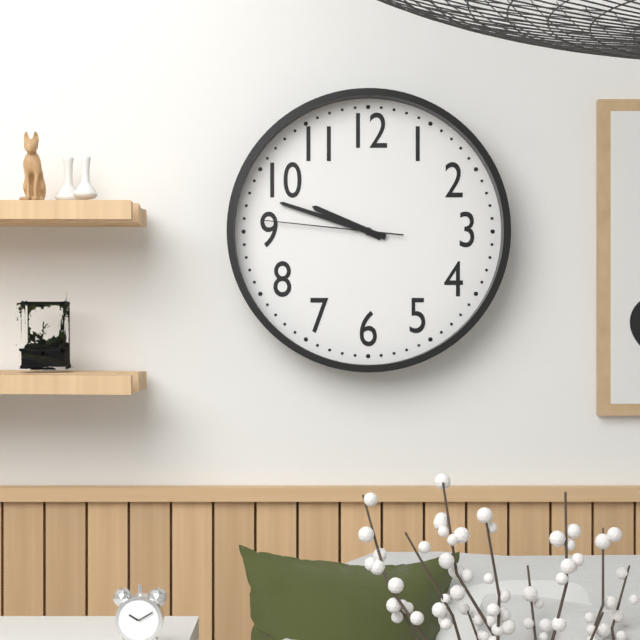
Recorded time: 9:48:46
